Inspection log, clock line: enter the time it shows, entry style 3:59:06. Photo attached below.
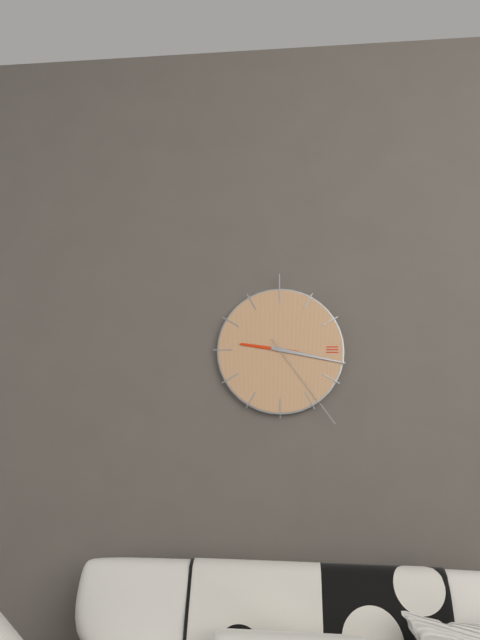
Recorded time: 9:17:24
